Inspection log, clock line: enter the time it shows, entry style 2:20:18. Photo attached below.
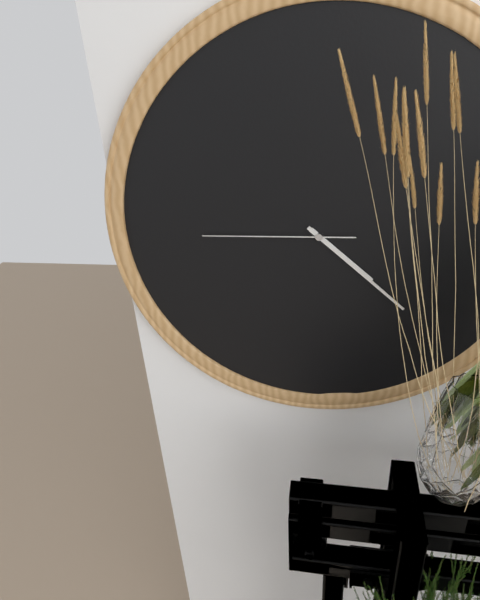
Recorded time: 4:22:45
